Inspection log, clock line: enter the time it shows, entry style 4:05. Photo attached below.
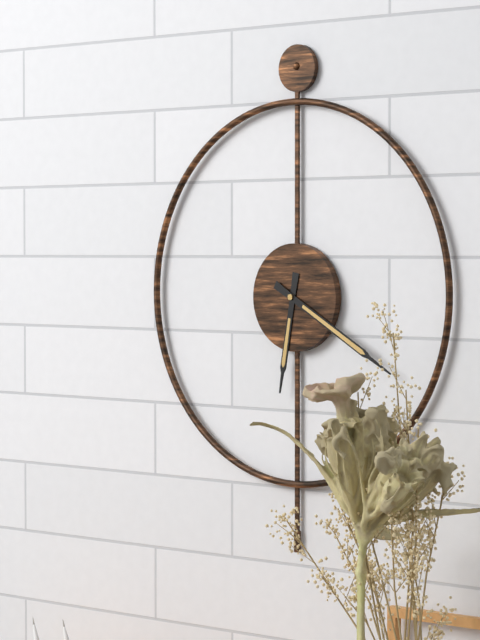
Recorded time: 6:20
